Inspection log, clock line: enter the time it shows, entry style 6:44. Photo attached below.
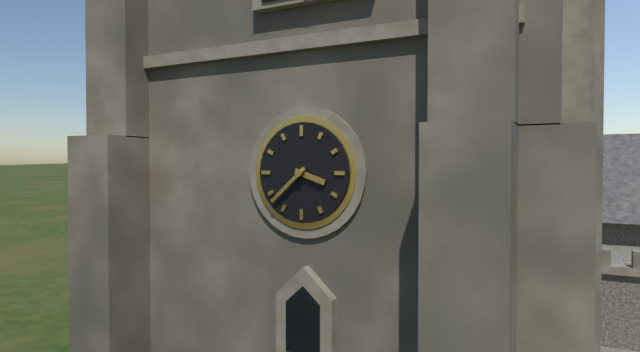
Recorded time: 3:38
